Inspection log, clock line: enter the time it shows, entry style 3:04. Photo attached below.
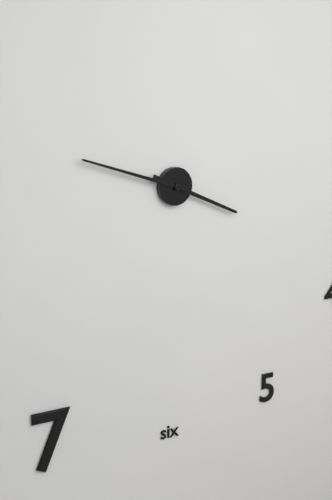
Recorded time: 3:48
